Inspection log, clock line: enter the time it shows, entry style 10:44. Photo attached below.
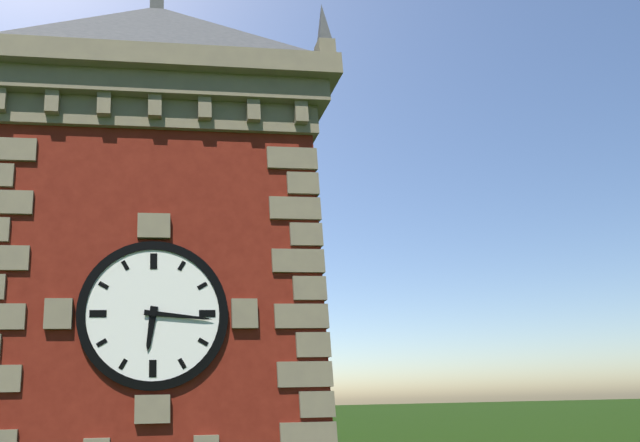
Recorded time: 6:16
